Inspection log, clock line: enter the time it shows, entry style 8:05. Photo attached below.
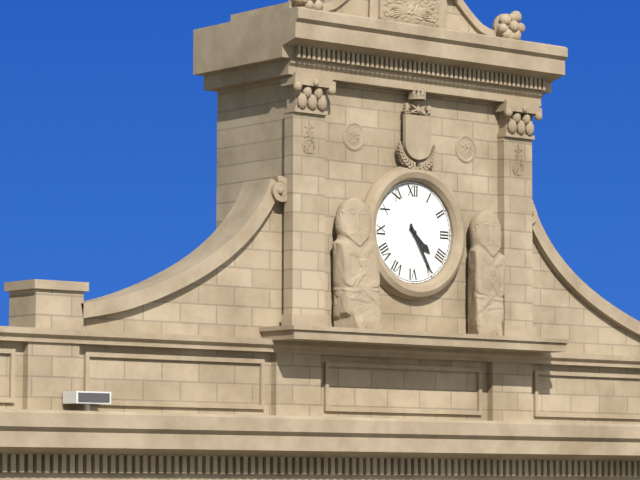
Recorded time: 4:25
